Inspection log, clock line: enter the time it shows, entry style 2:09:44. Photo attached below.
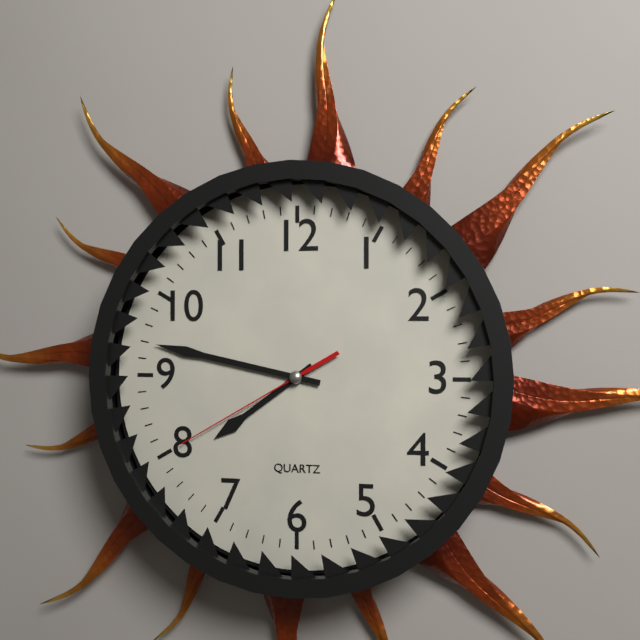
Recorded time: 7:47:40
